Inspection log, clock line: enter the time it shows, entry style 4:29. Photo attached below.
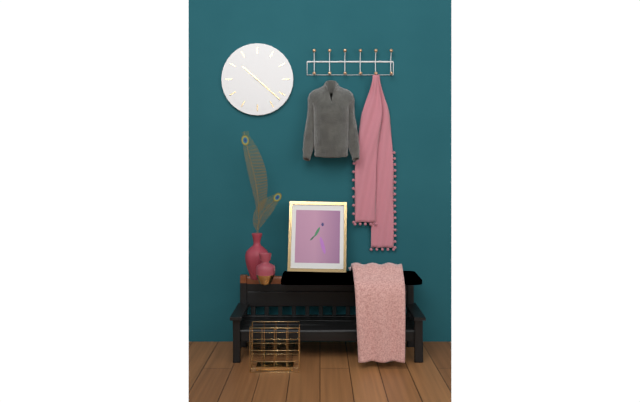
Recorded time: 10:22
